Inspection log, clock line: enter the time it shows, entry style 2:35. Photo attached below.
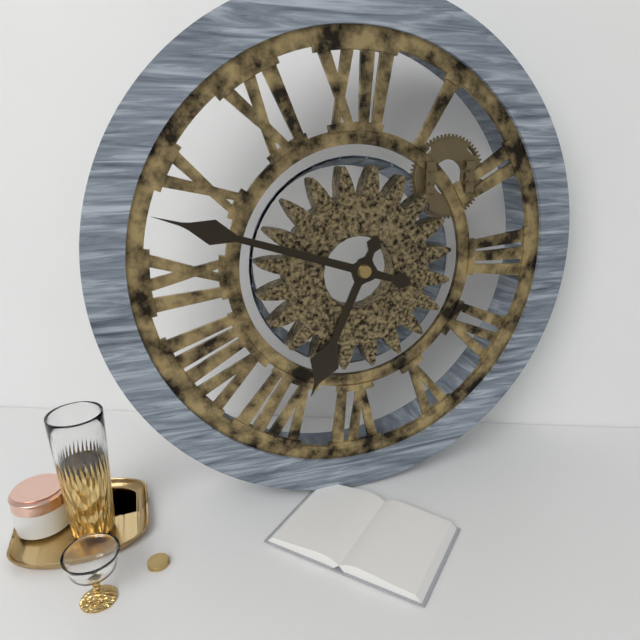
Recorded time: 6:48
